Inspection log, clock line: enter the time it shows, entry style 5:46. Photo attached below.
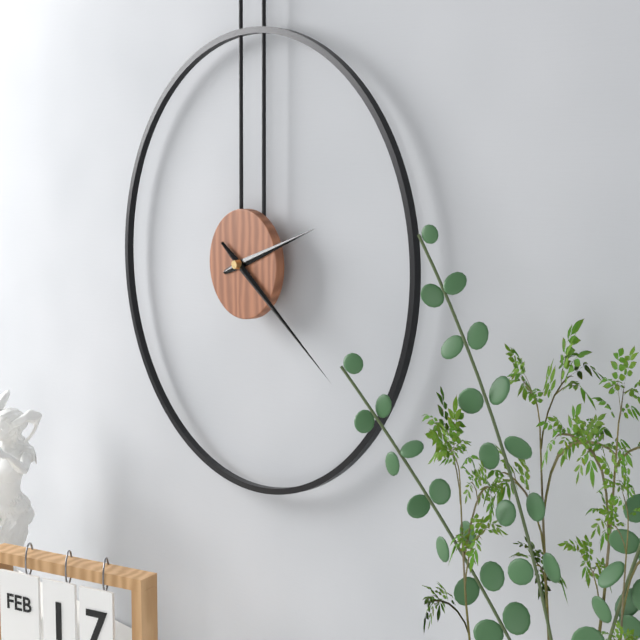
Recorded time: 2:21
